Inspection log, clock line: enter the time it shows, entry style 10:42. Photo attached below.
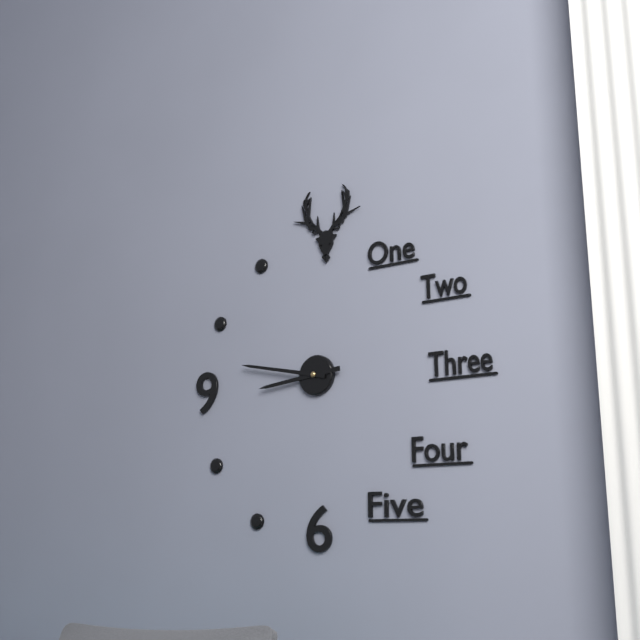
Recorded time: 8:47
